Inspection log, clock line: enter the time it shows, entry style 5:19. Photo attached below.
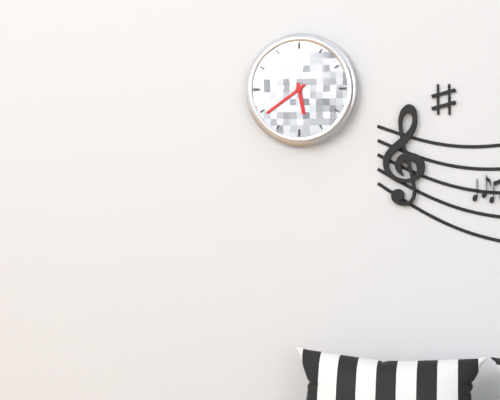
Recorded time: 5:39
